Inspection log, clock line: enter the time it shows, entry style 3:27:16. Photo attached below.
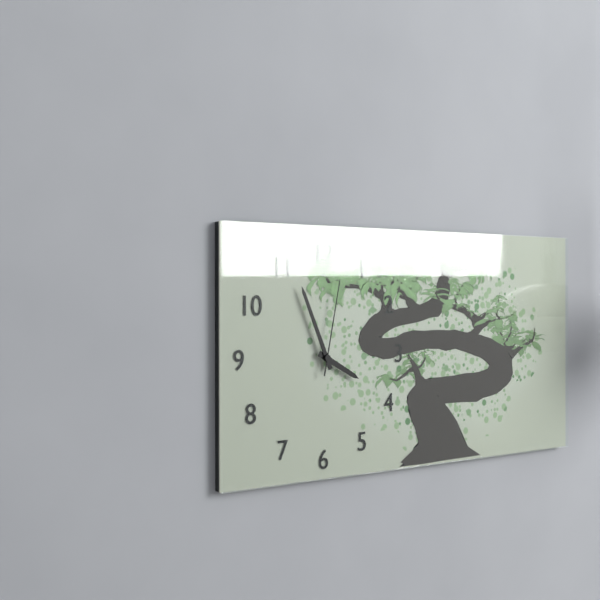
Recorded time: 3:56:02
